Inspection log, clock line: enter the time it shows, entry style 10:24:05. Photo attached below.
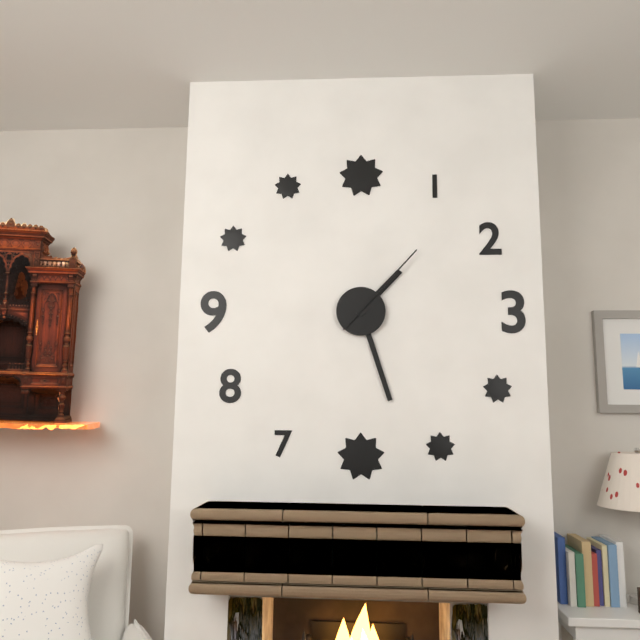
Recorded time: 1:27:07
